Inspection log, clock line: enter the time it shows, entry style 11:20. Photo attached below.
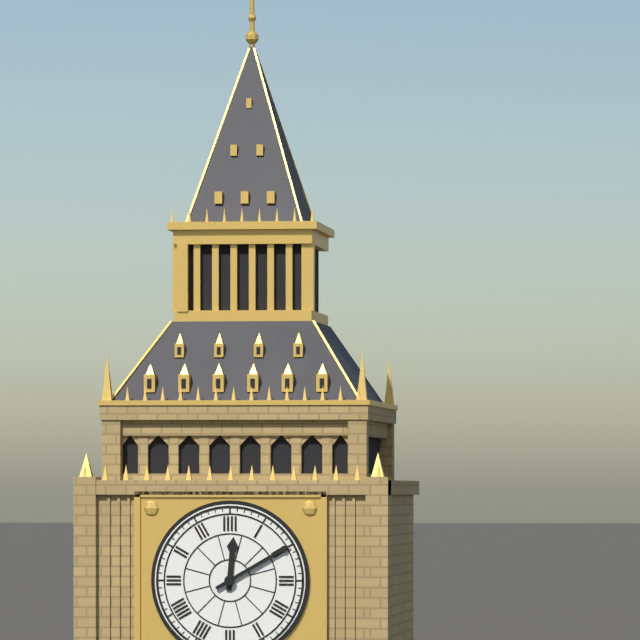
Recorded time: 12:10
